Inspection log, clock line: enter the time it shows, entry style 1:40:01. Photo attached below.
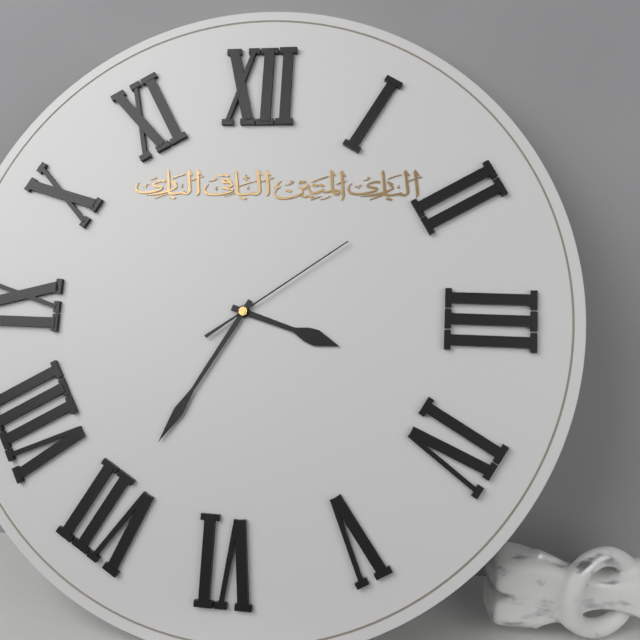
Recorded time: 3:35:09
